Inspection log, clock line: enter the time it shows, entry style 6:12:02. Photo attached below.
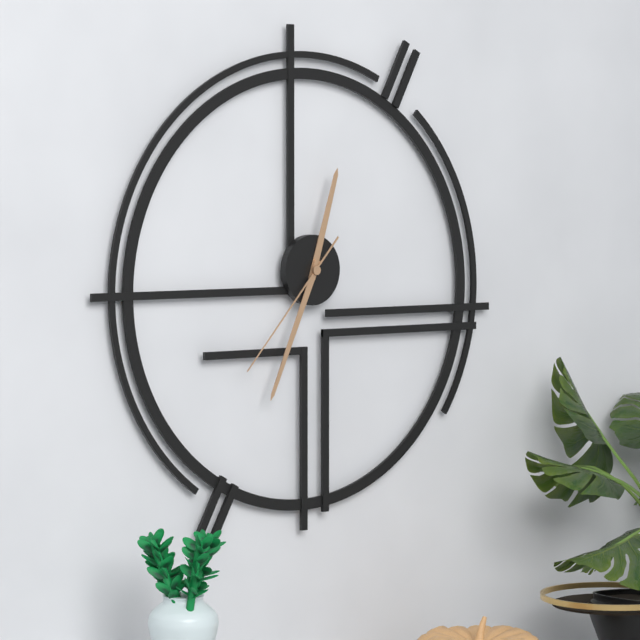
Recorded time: 12:34:37
